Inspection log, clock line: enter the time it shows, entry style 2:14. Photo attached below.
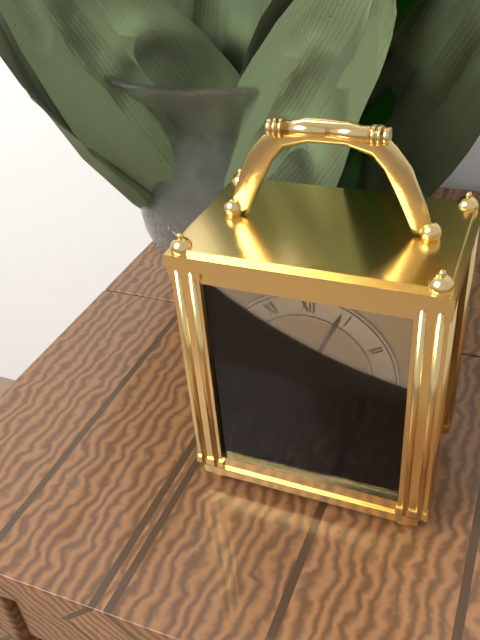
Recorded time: 6:04
